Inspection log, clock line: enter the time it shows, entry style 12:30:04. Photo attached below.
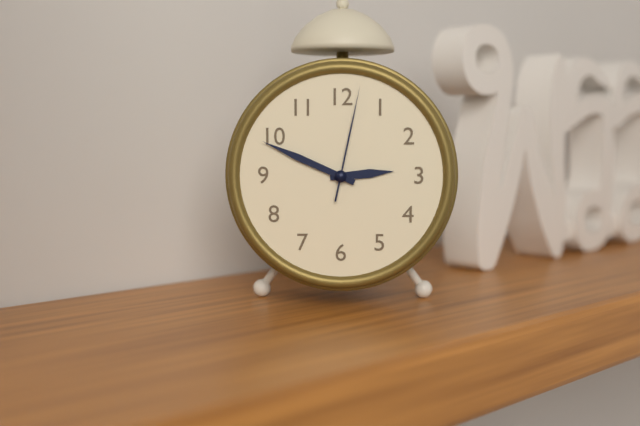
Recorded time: 2:49:02
